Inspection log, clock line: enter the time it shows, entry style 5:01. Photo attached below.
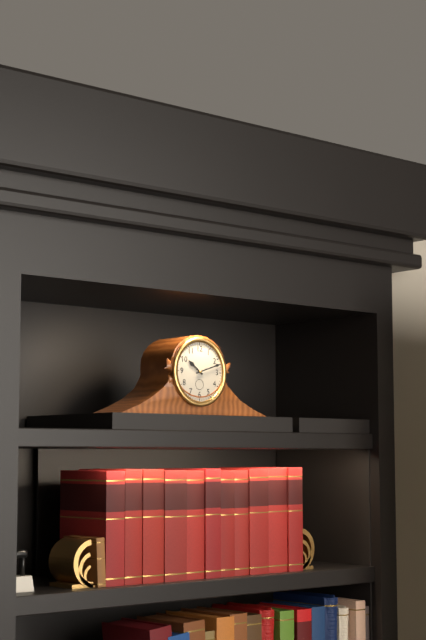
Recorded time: 10:12
